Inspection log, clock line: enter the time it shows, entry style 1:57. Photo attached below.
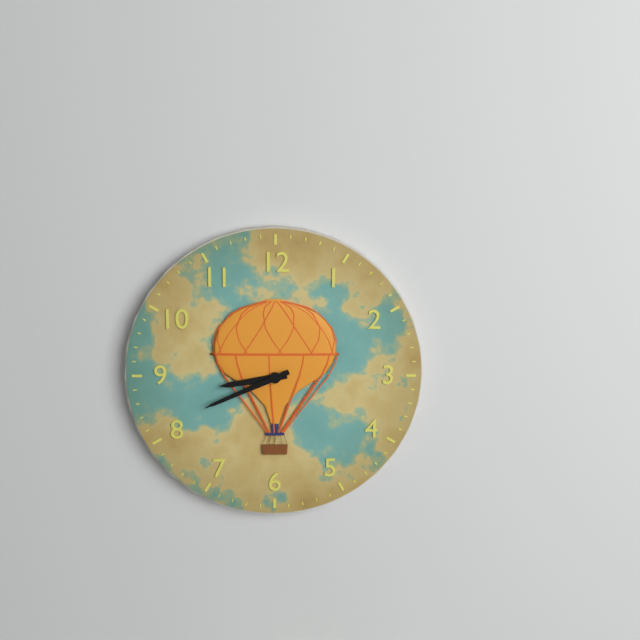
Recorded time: 8:41
